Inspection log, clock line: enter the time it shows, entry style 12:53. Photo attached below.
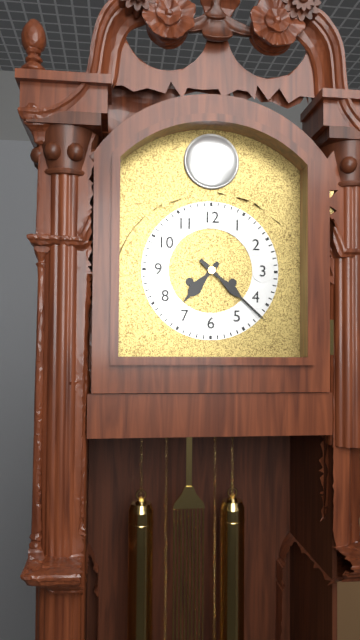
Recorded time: 7:22
